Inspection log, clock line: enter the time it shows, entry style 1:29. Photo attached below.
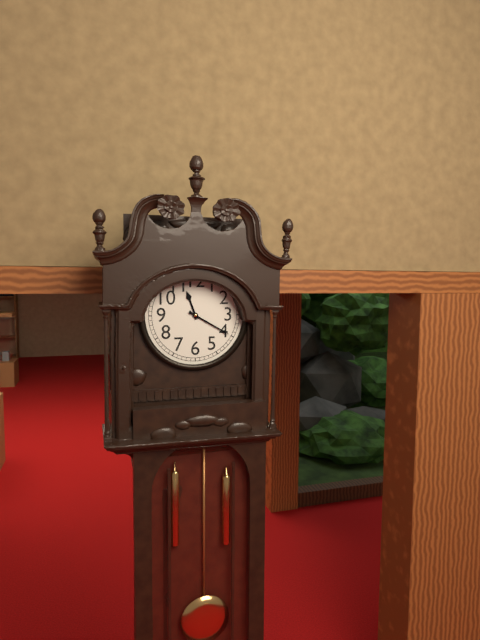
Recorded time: 11:20
